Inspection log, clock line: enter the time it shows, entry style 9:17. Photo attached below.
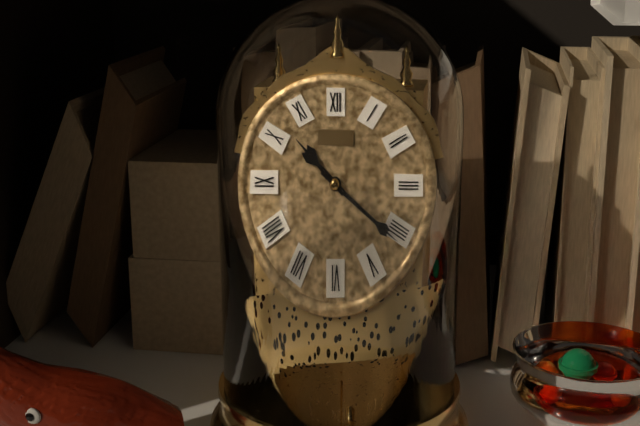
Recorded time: 10:21
